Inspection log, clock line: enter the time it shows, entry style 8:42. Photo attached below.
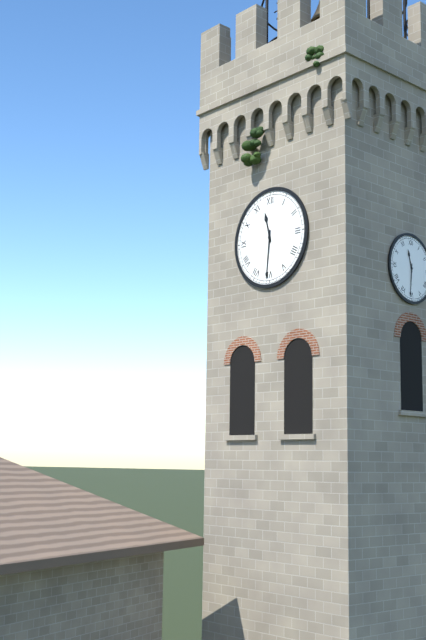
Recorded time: 11:31
